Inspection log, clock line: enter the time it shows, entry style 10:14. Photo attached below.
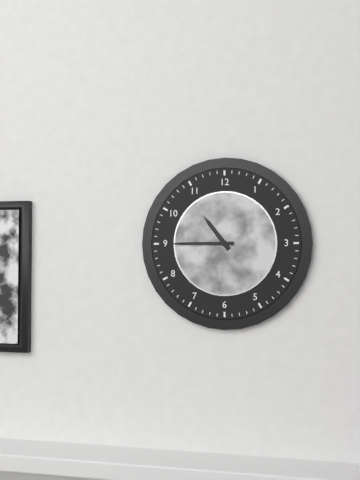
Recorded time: 10:45
